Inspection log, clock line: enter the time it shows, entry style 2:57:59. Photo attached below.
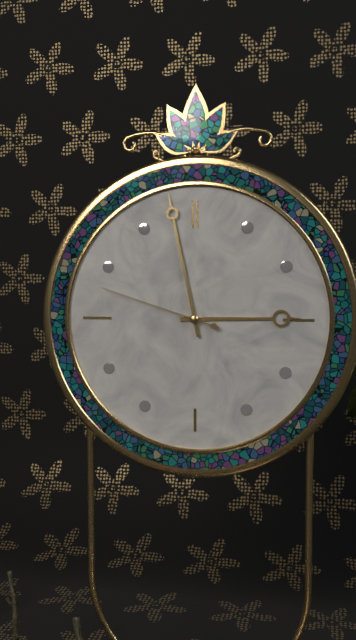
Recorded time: 2:58:48
